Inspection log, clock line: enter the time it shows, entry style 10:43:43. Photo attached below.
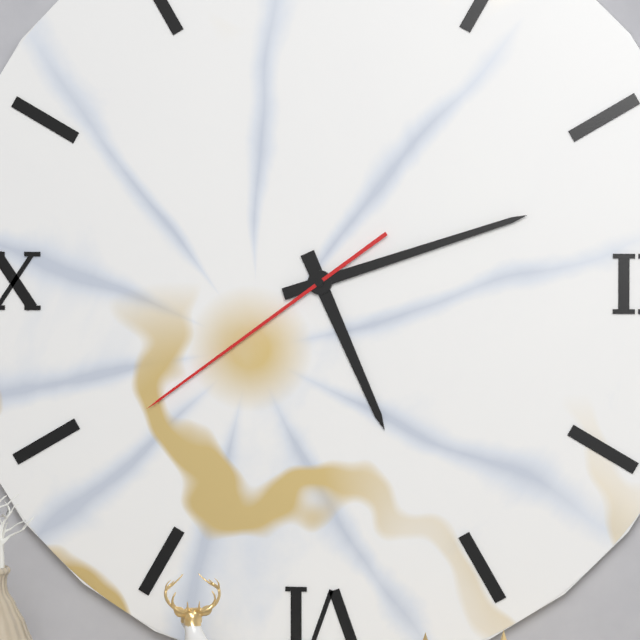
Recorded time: 5:12:39
